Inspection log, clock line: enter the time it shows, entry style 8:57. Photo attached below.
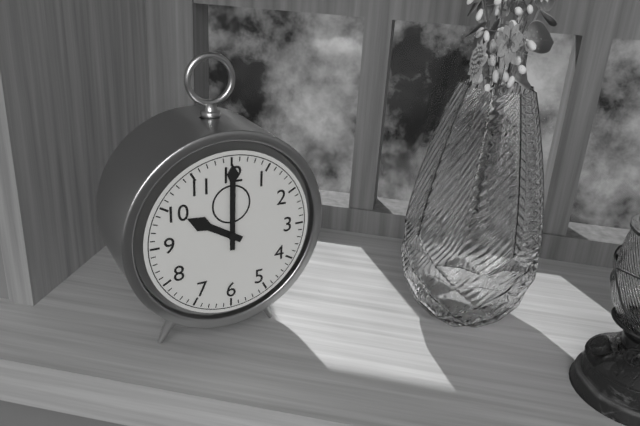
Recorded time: 10:00
